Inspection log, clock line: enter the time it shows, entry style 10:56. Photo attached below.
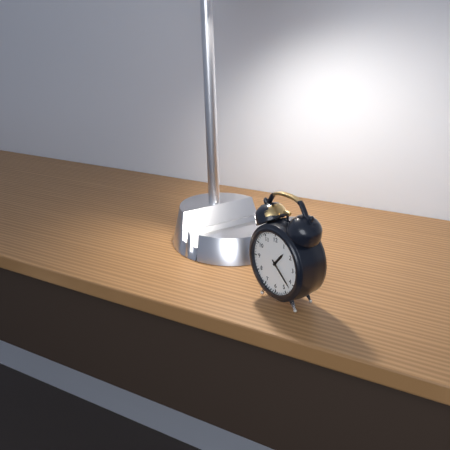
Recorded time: 1:22
